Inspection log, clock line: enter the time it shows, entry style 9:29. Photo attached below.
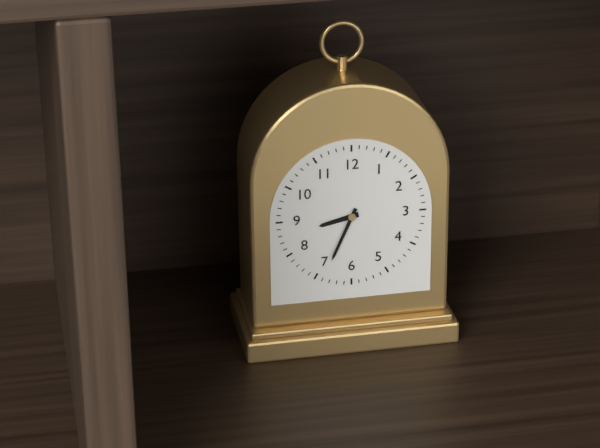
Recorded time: 8:34
